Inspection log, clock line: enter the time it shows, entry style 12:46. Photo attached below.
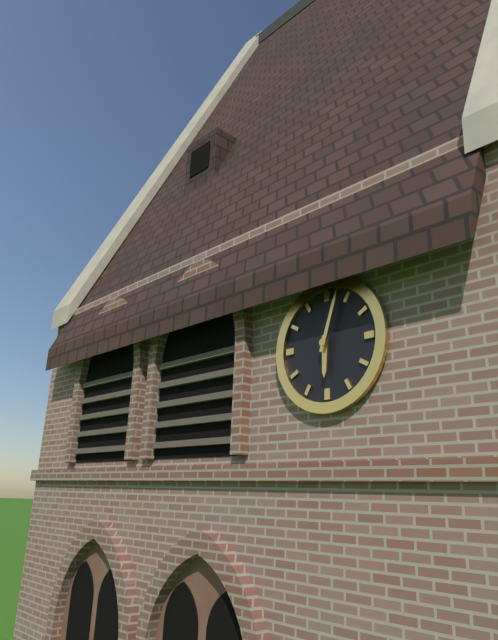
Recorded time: 6:03
